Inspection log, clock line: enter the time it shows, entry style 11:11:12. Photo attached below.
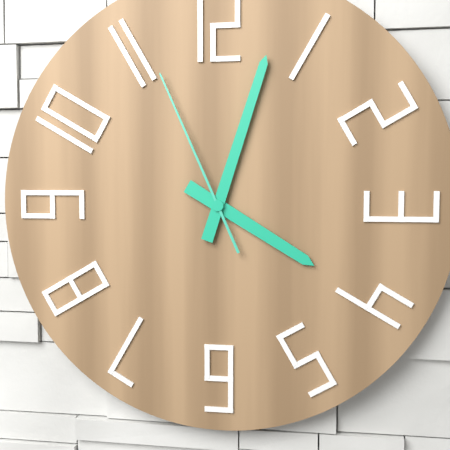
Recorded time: 4:03:56
